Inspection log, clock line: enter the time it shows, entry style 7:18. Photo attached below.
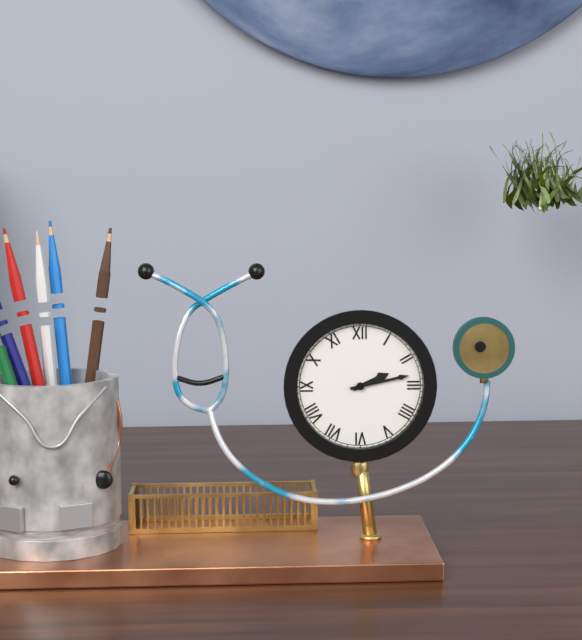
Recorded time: 2:13
